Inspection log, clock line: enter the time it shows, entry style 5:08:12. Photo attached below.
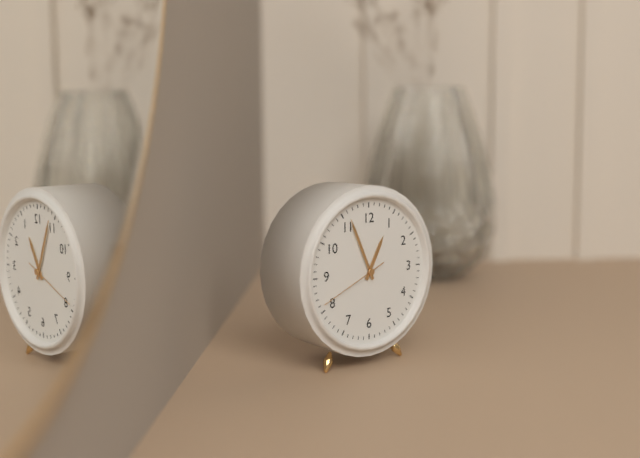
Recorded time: 12:56:41
